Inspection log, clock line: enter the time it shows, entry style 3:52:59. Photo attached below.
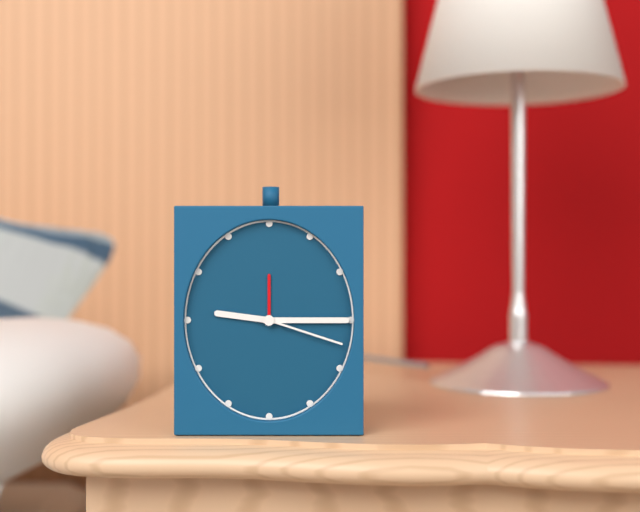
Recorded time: 9:15:18
